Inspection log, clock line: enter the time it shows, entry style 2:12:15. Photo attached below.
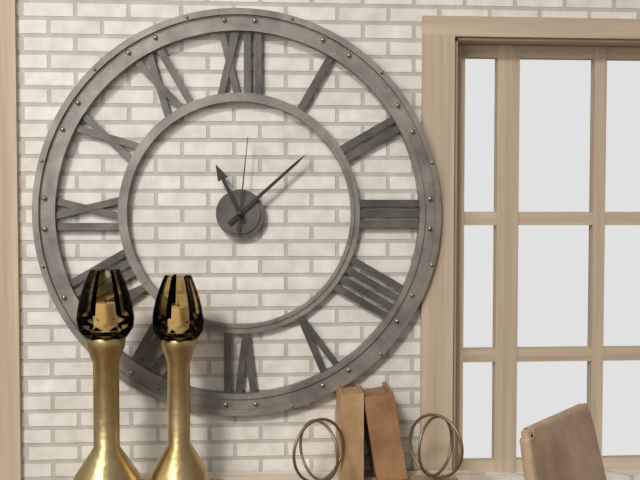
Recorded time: 11:08:01
